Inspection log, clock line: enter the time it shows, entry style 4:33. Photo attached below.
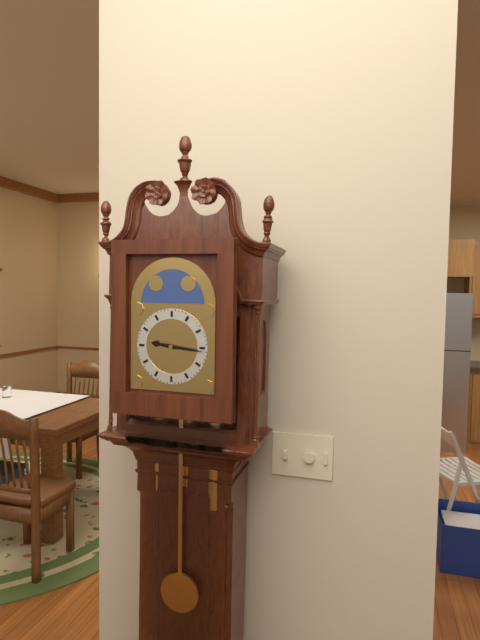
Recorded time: 9:16
